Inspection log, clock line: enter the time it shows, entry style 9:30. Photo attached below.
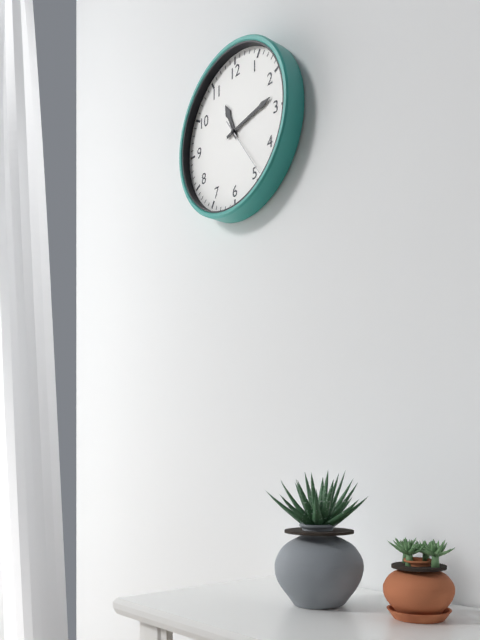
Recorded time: 11:13
